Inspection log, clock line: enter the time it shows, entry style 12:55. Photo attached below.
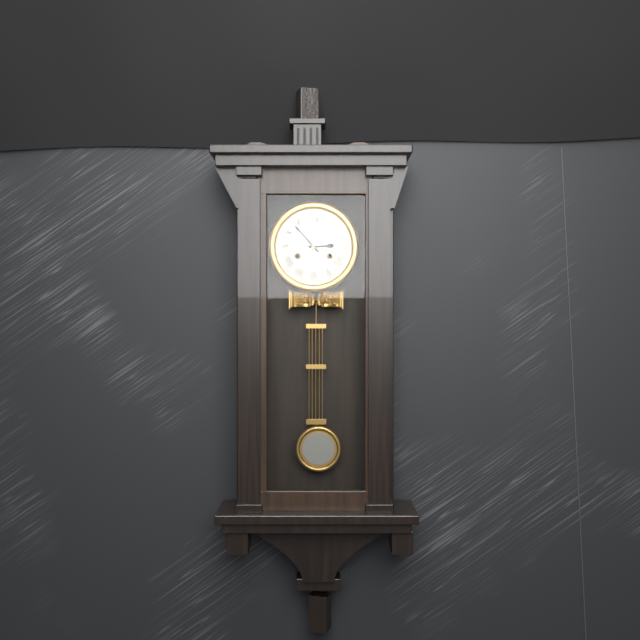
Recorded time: 2:53
